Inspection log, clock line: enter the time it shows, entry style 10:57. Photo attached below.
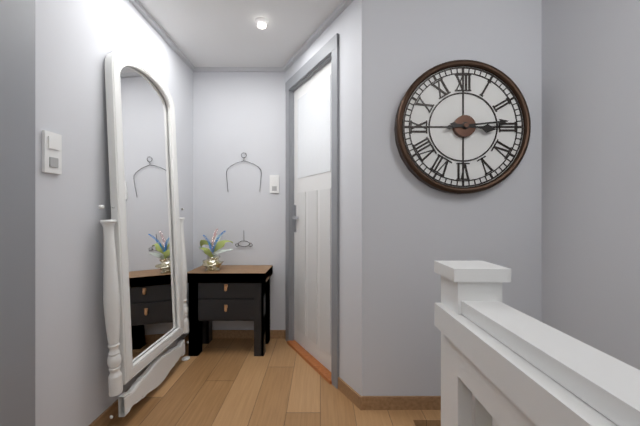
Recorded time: 3:14
